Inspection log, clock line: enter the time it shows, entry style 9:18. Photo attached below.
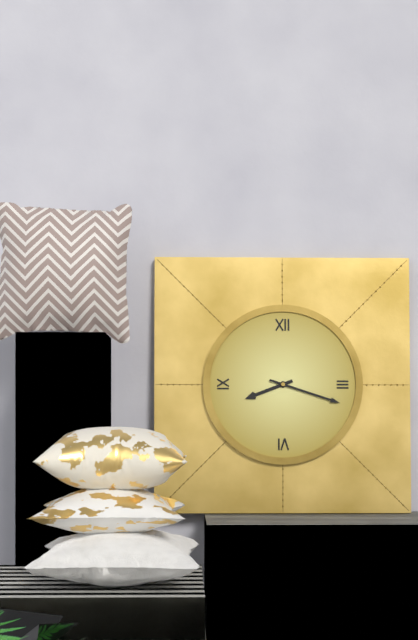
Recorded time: 8:18
